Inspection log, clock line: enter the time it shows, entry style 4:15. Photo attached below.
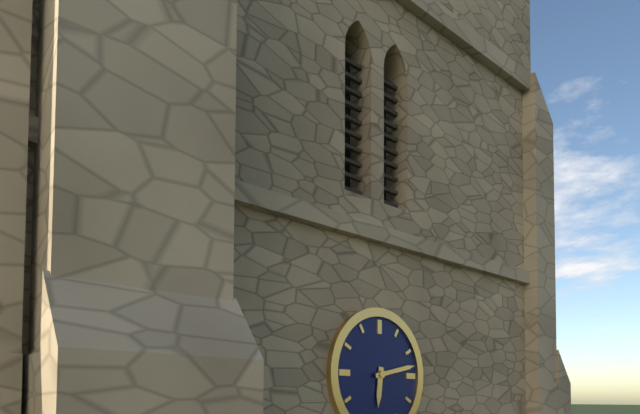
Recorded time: 6:13
